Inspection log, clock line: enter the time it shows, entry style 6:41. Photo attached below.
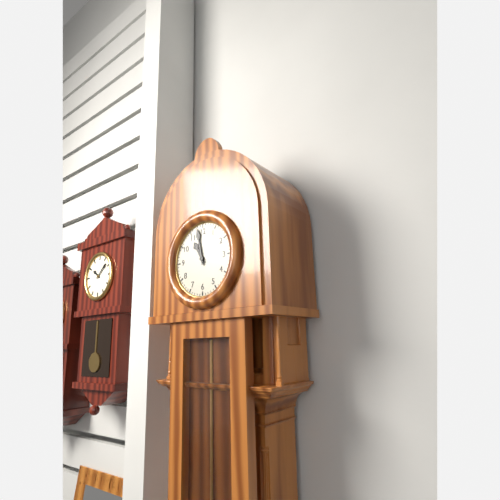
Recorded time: 10:58
